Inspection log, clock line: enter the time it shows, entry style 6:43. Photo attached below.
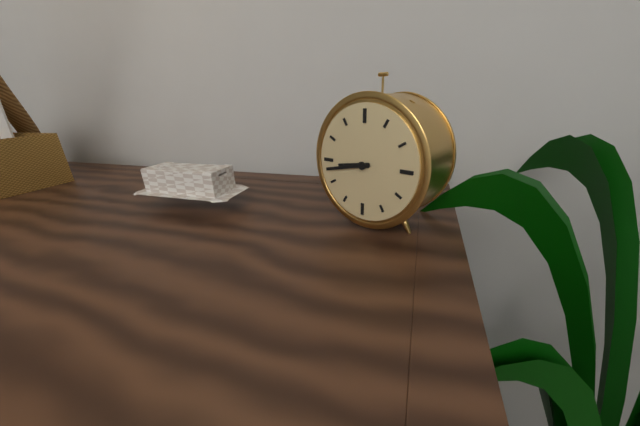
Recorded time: 8:43
